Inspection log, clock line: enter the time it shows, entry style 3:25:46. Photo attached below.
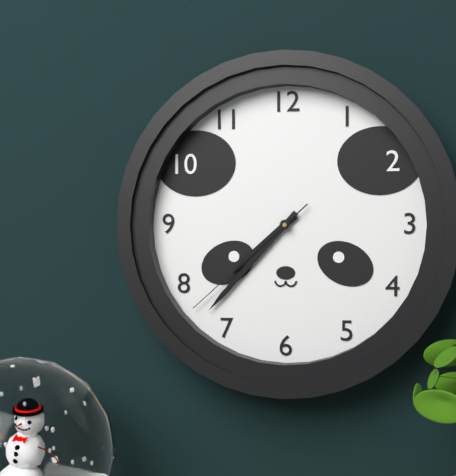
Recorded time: 7:37:38
